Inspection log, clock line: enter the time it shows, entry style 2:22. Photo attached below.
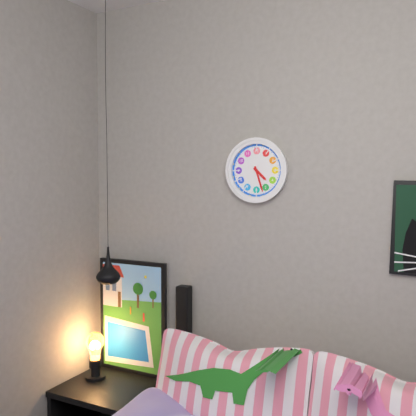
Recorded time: 4:27
